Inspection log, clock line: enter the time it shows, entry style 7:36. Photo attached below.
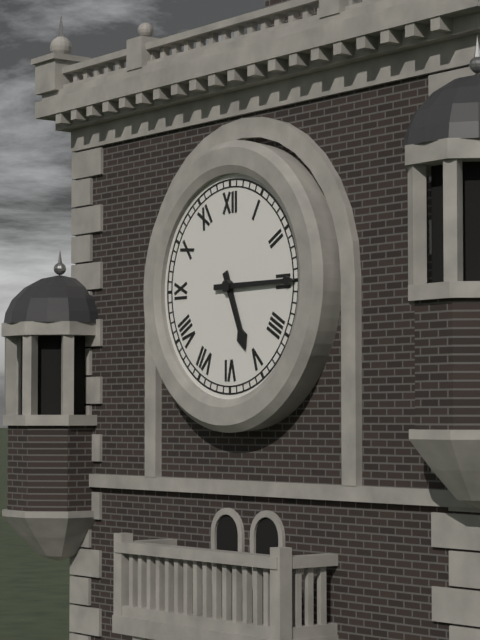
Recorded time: 5:15
